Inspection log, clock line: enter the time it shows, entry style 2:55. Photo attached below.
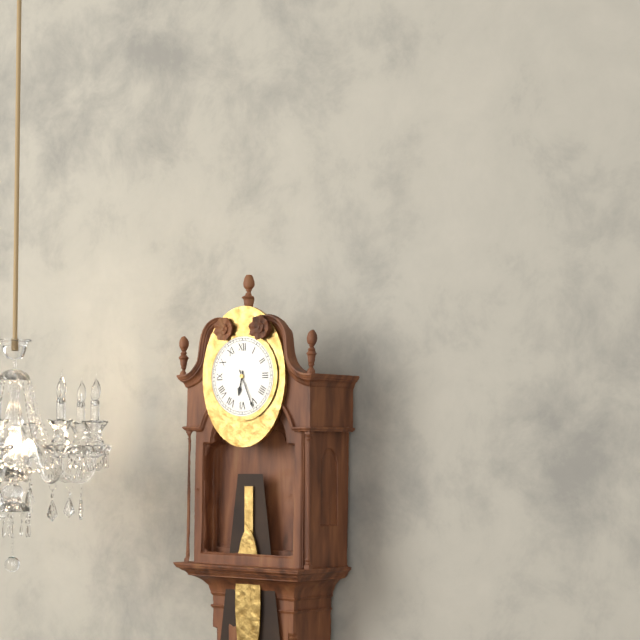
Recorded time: 6:26
